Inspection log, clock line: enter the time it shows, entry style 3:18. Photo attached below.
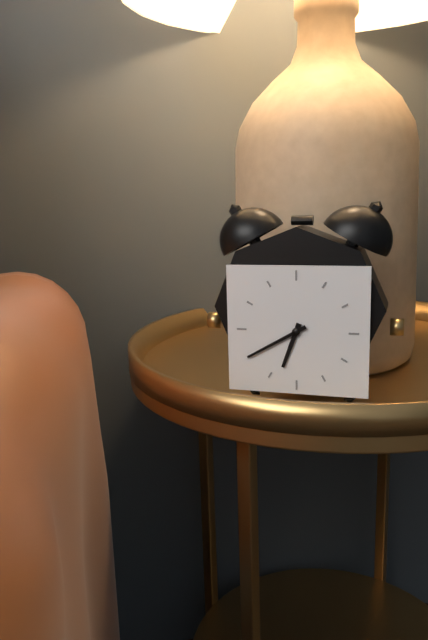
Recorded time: 6:40
